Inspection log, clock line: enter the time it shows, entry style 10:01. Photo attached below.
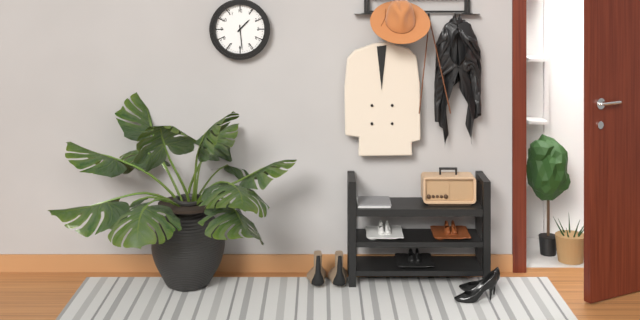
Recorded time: 1:29
